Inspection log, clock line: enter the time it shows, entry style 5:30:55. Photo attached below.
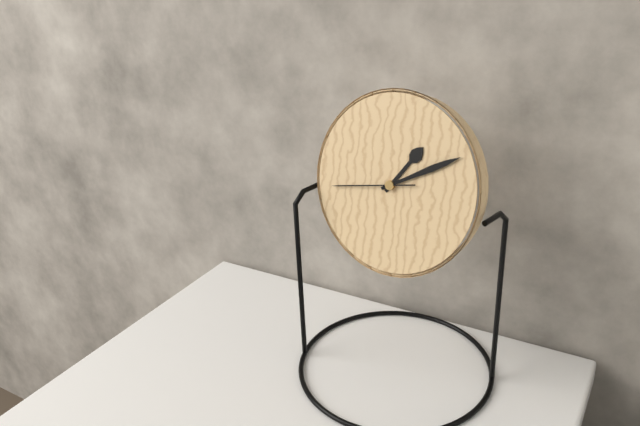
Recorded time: 1:10:43
